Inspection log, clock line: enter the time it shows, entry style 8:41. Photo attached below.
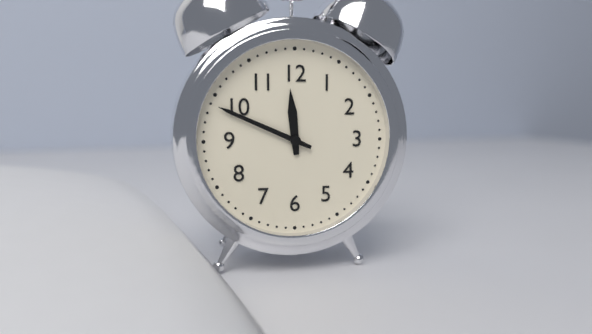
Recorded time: 11:49
